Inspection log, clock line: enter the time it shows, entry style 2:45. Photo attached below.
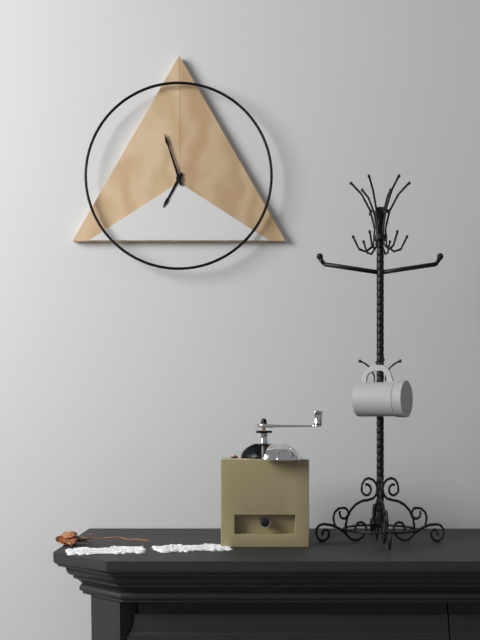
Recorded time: 6:57
